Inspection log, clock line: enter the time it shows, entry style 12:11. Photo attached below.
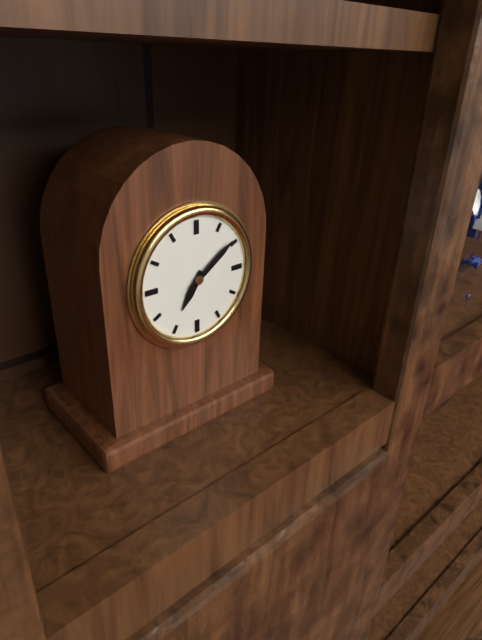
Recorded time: 7:09
